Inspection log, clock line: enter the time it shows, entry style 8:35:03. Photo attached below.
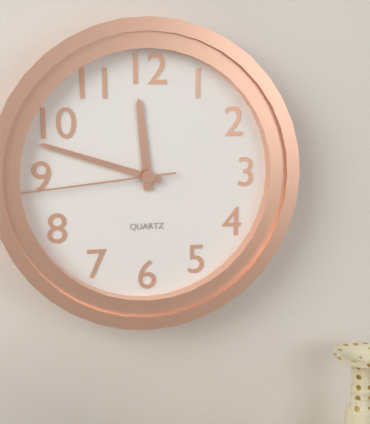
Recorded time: 11:48:44
